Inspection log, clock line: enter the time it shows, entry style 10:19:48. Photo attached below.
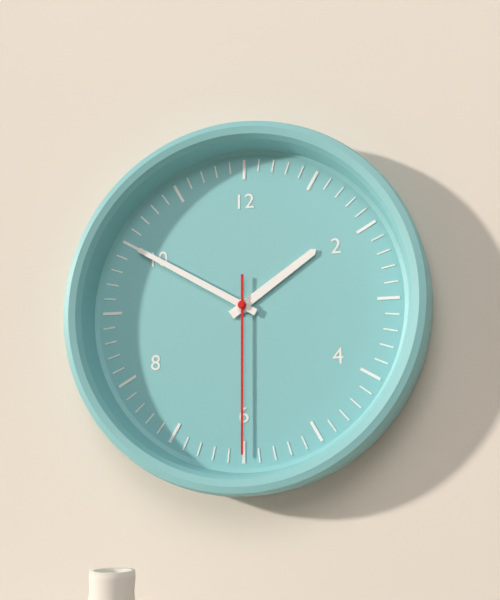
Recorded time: 1:50:30
